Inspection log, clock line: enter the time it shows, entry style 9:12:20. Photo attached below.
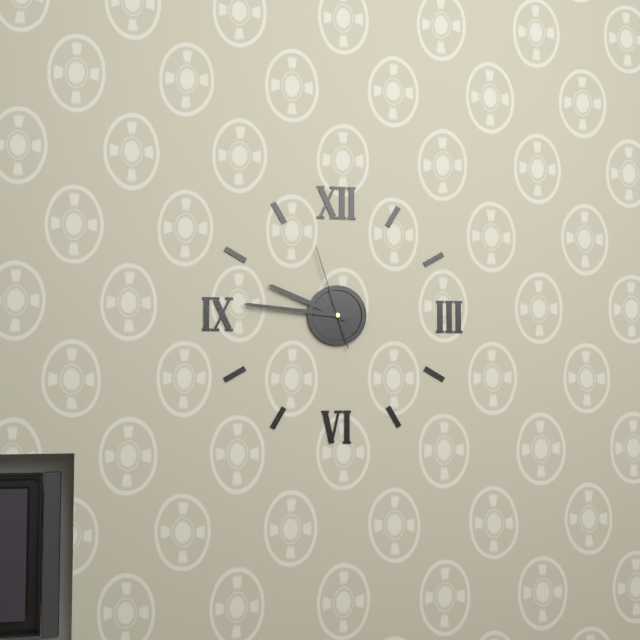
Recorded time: 9:46:57
